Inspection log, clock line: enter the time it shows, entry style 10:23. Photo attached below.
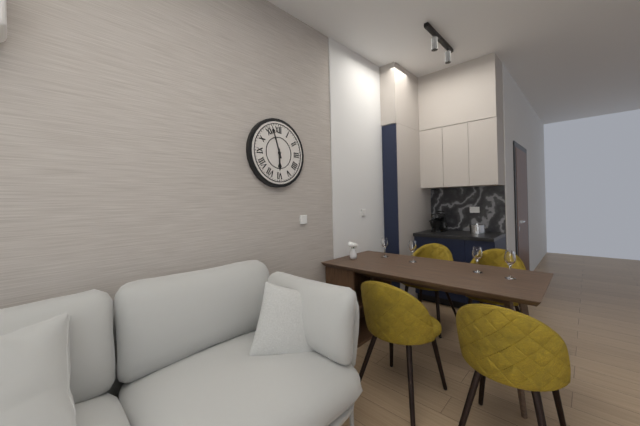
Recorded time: 5:57
